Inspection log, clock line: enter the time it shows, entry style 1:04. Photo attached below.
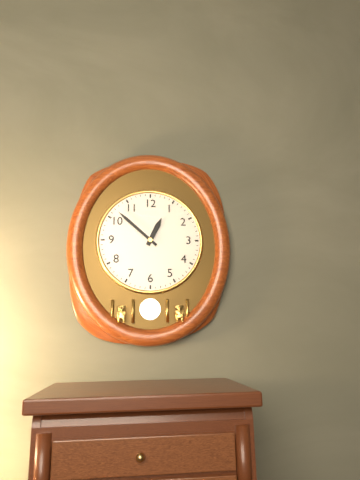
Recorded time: 12:52
